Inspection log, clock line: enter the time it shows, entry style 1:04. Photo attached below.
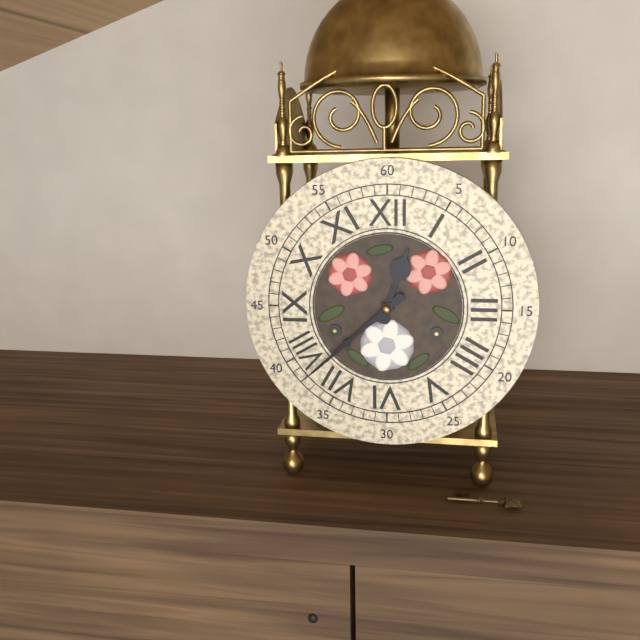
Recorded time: 12:38
